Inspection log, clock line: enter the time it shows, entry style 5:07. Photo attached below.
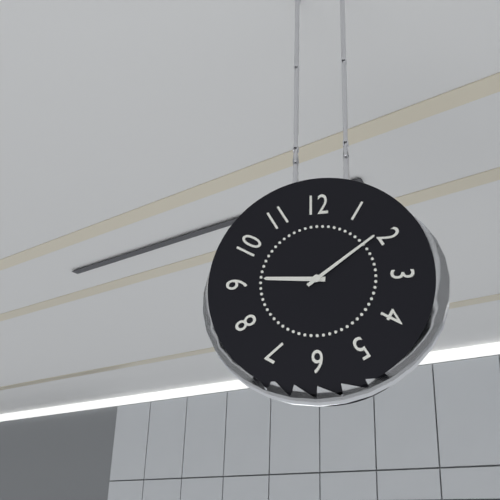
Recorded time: 9:09
